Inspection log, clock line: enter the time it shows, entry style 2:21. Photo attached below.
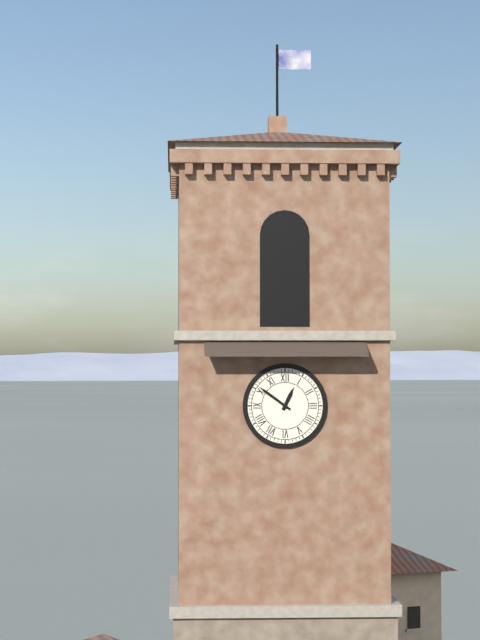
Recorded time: 12:51
